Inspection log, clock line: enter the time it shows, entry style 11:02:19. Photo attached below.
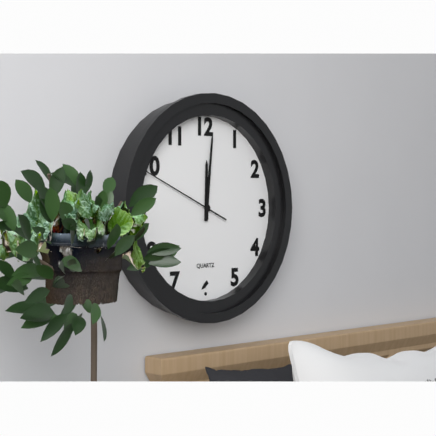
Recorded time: 12:01:49
